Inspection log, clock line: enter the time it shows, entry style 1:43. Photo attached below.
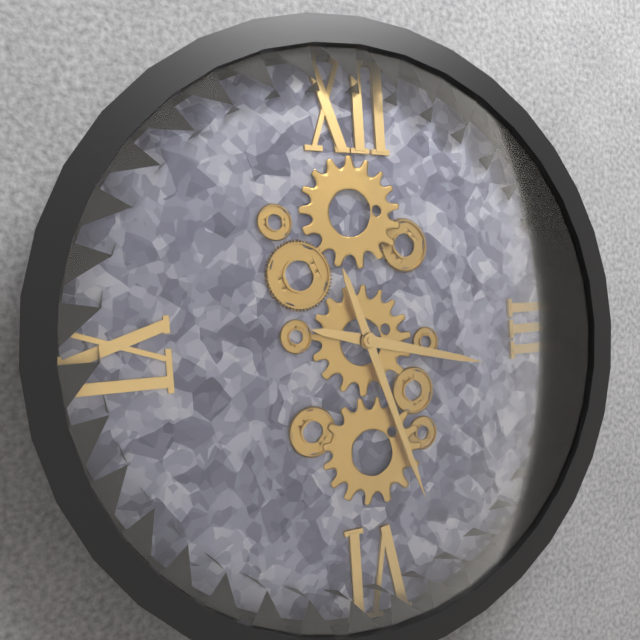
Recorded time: 3:27
